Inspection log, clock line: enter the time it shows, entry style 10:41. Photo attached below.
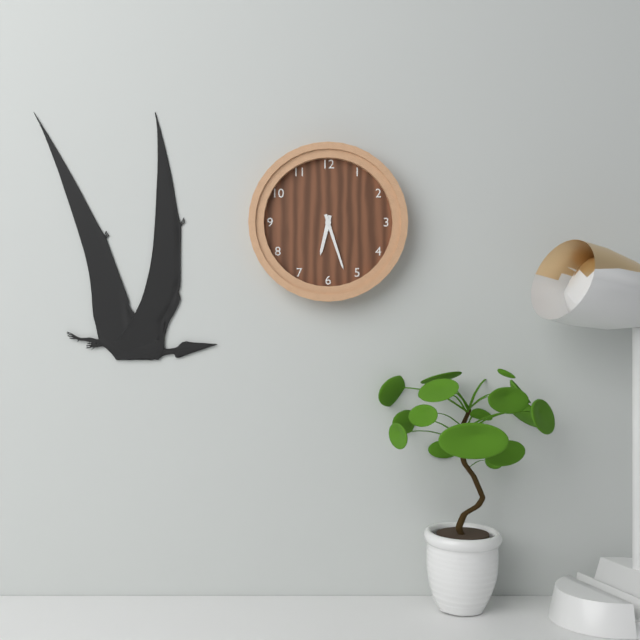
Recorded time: 6:27
